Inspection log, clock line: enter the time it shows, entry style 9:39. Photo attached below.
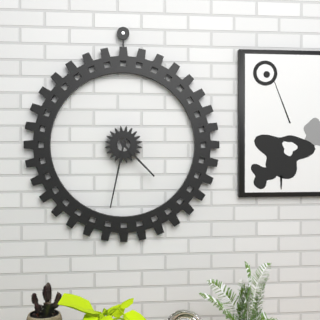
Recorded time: 4:32
